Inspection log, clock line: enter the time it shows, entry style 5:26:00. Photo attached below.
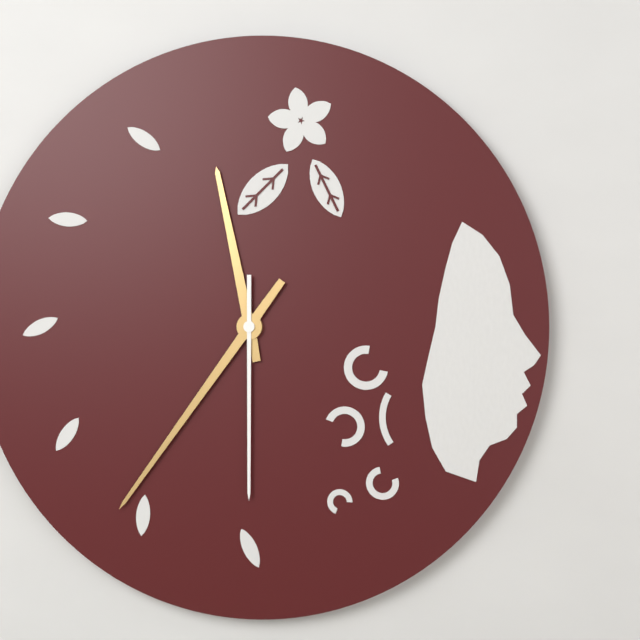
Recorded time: 11:36:30
